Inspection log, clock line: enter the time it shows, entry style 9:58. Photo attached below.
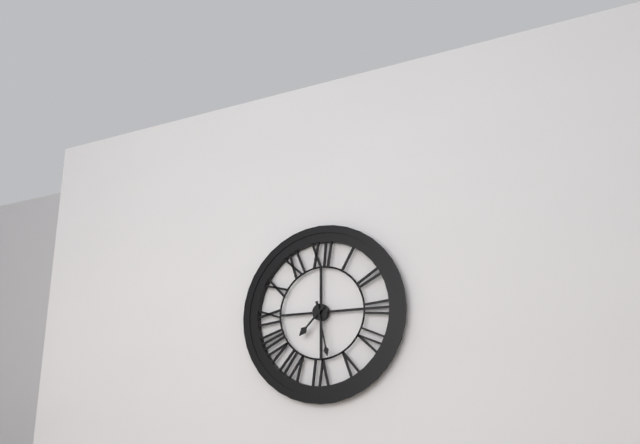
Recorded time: 7:28
